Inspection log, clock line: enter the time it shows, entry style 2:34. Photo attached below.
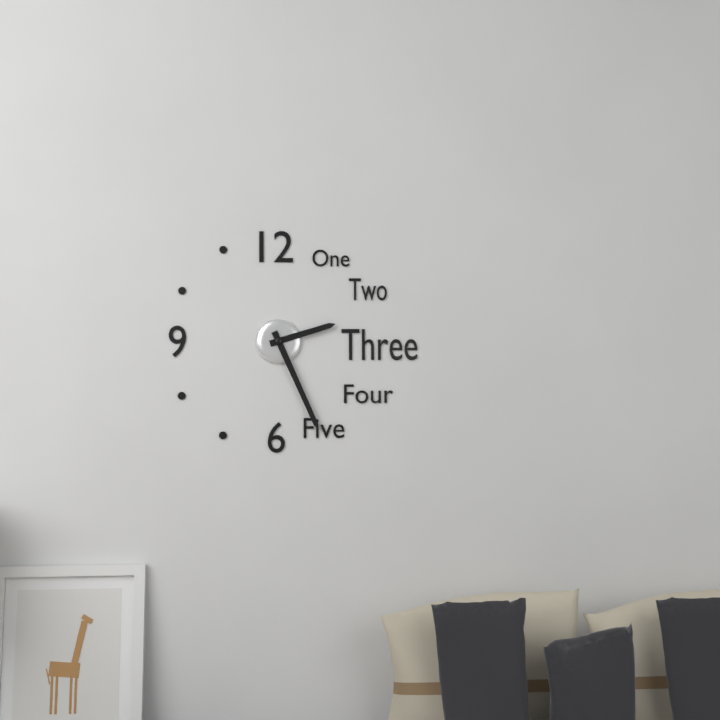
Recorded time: 2:26
